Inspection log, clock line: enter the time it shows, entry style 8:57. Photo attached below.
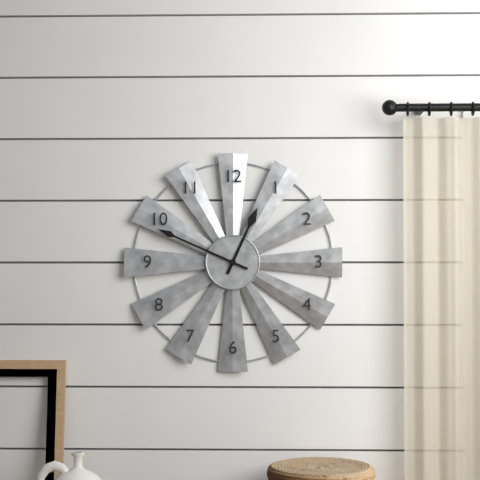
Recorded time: 12:49
